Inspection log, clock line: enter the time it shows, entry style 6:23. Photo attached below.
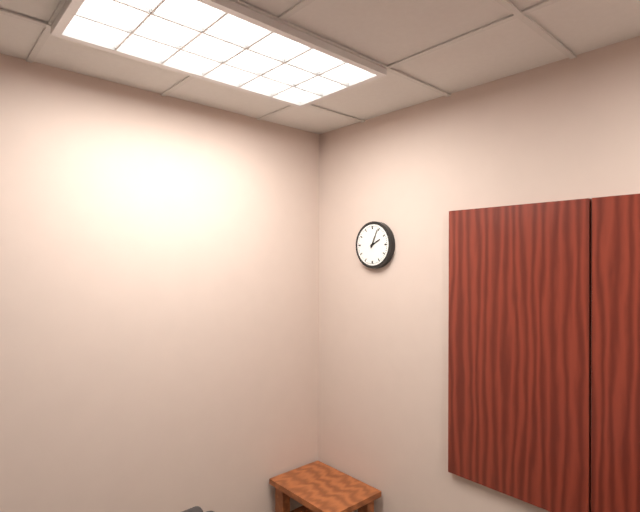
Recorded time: 2:04
